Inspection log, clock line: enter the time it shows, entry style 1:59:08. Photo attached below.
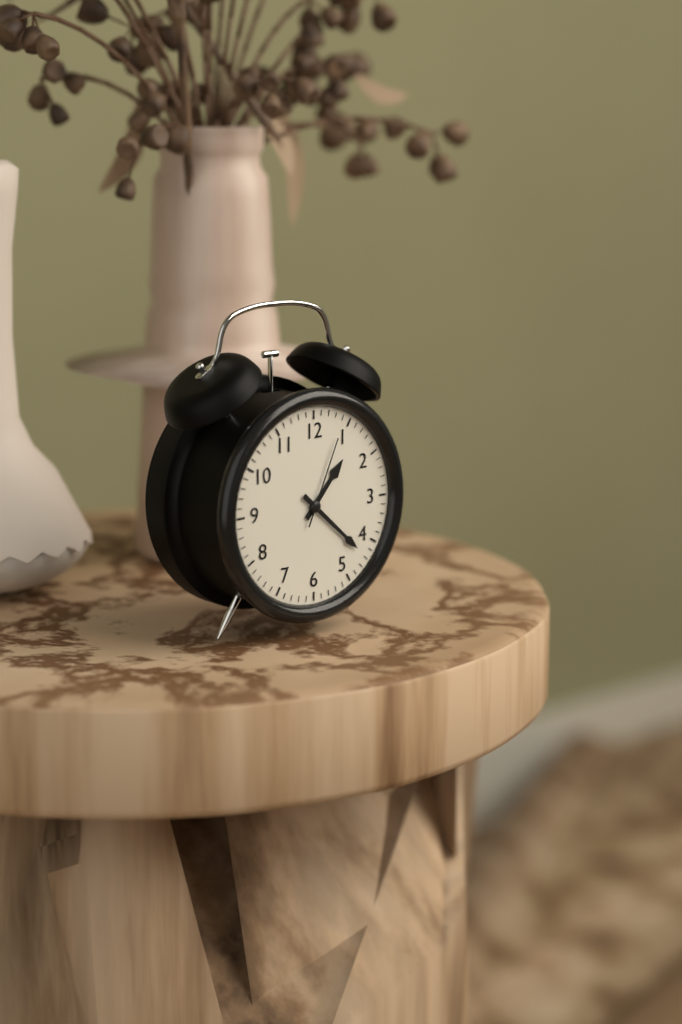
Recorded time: 1:22:04
